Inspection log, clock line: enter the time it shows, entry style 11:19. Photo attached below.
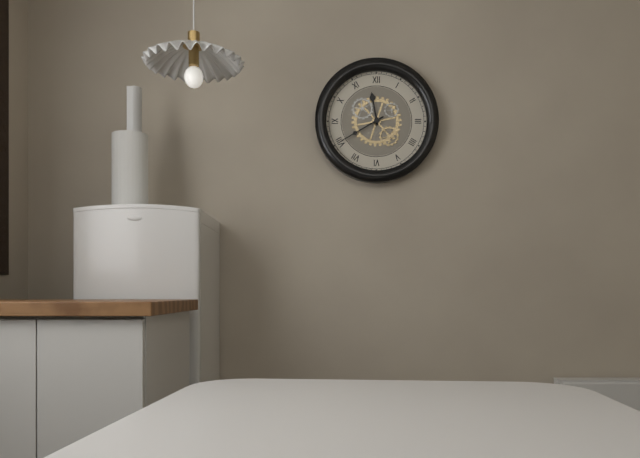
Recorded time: 11:40
